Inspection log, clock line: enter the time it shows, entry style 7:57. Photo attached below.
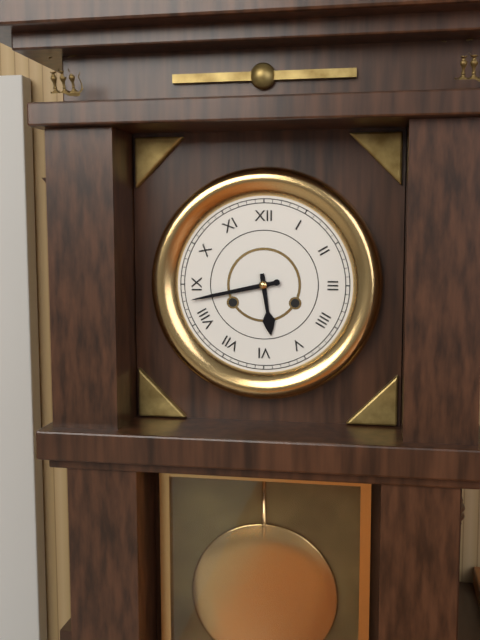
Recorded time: 5:43
